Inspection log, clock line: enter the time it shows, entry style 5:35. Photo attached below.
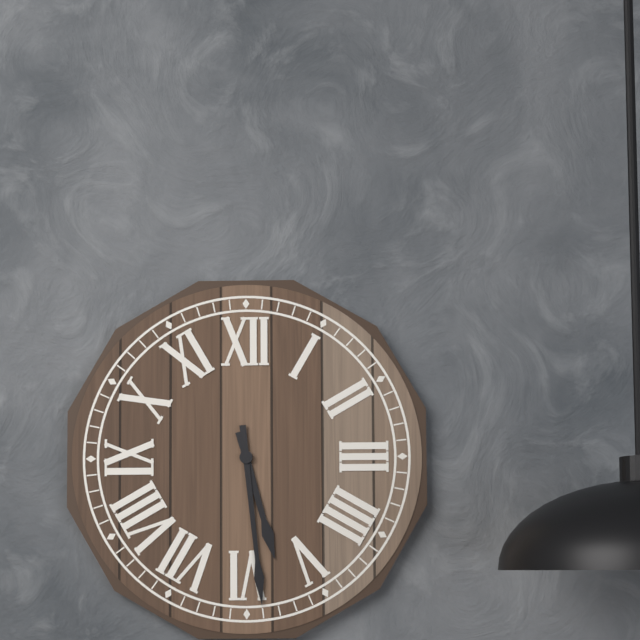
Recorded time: 5:29
